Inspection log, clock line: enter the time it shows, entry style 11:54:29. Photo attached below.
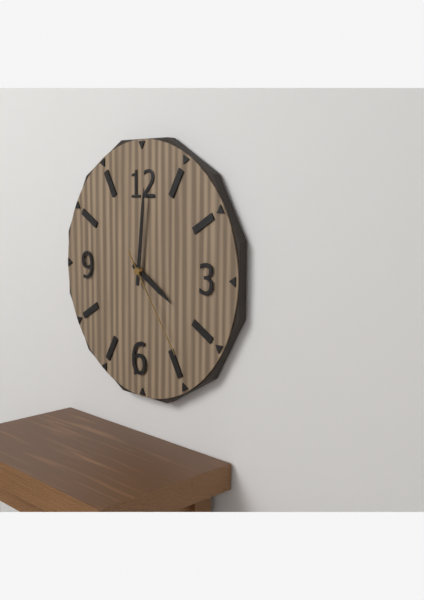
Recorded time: 4:01:24
